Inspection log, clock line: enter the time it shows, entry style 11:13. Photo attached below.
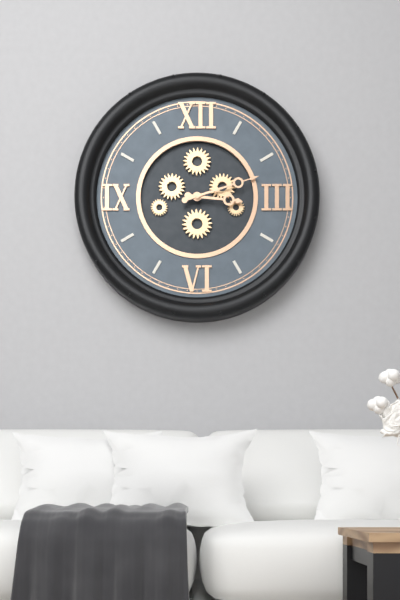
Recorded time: 3:12
